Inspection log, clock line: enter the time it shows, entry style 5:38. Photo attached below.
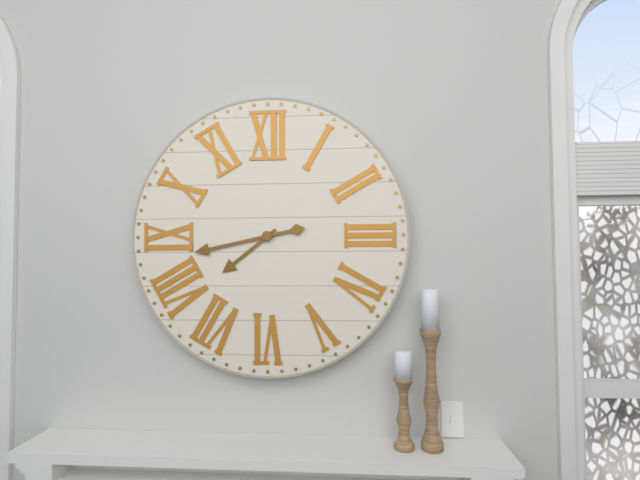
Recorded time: 7:43
